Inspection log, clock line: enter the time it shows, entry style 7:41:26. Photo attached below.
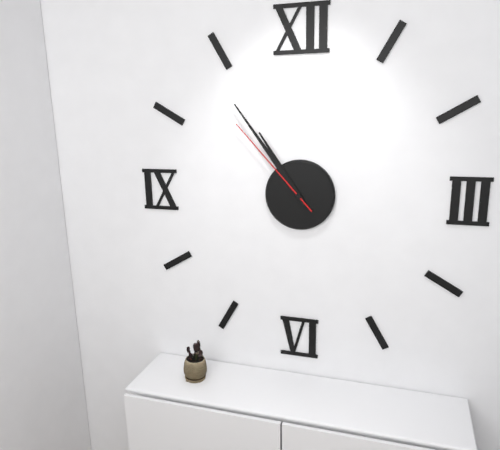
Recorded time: 10:54:53
